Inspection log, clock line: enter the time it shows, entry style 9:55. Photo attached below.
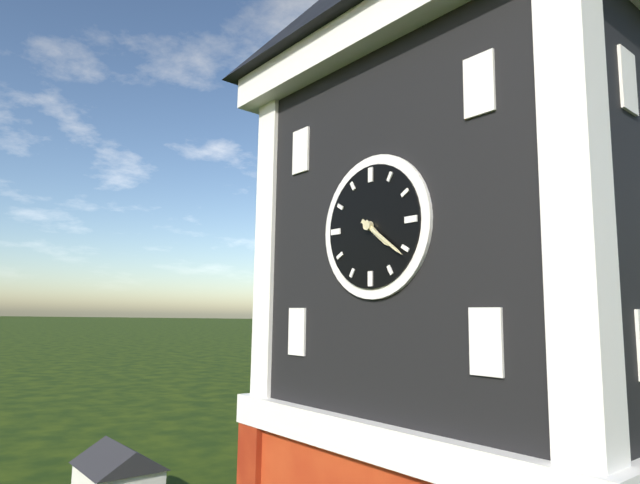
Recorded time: 4:21
